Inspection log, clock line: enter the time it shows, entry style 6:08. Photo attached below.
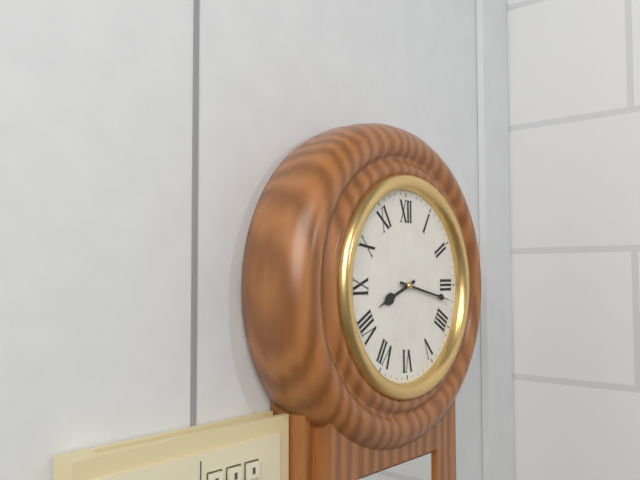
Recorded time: 8:17
